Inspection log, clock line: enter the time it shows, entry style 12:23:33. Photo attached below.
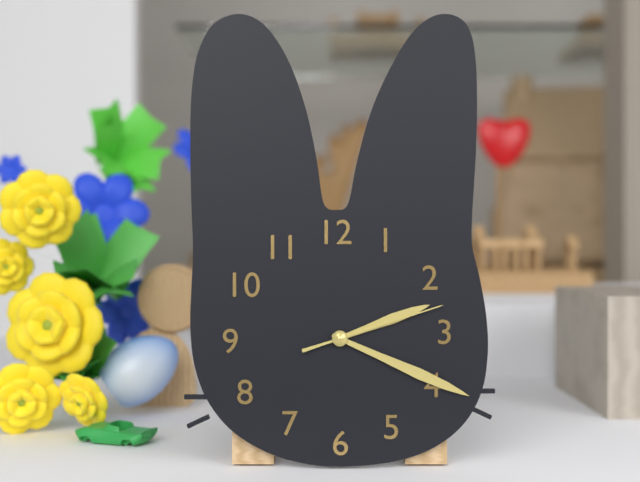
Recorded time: 2:19:12
